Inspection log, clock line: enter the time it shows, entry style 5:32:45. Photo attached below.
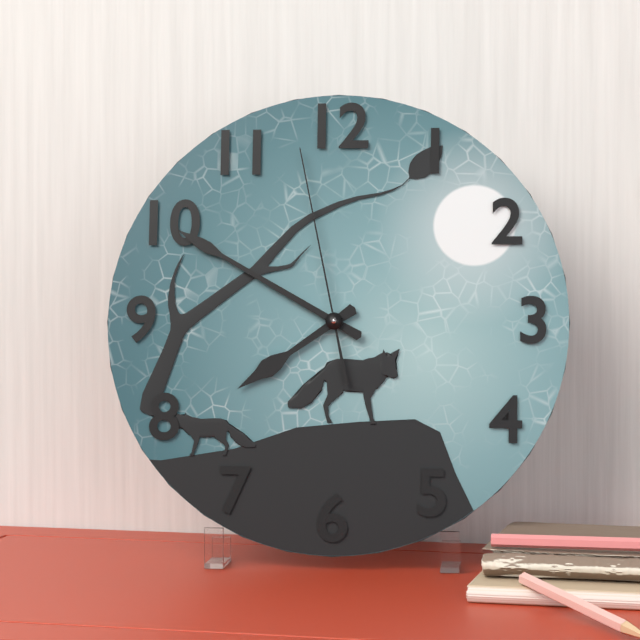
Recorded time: 7:50:58
